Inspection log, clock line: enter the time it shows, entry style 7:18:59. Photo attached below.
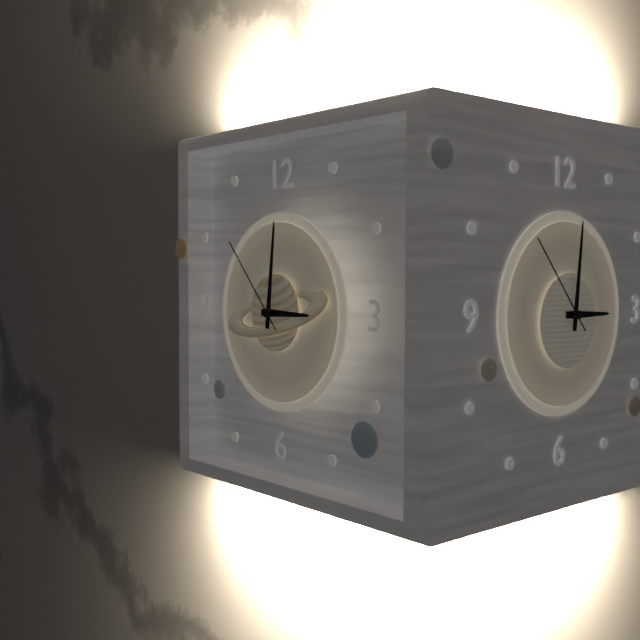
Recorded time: 3:01:53
